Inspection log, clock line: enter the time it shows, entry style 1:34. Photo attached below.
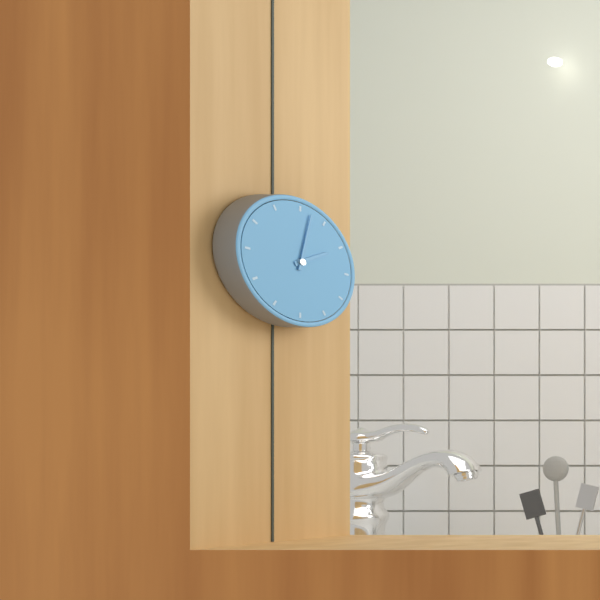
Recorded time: 2:02
